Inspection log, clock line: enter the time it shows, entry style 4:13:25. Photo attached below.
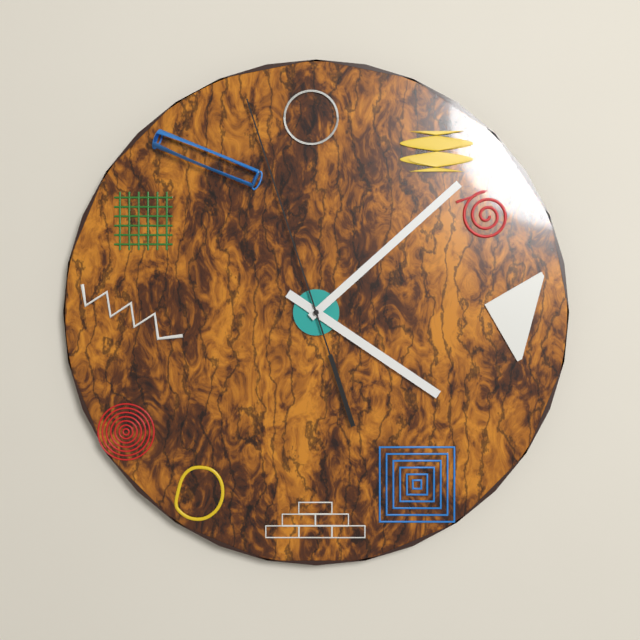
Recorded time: 4:08:57
